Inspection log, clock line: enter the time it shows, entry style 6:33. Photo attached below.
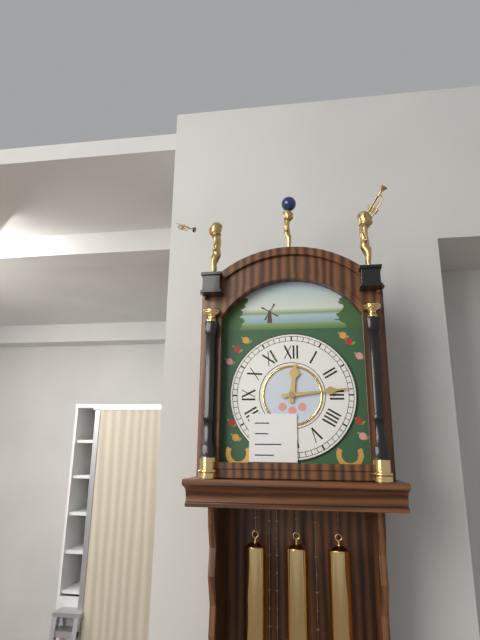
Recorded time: 12:14
